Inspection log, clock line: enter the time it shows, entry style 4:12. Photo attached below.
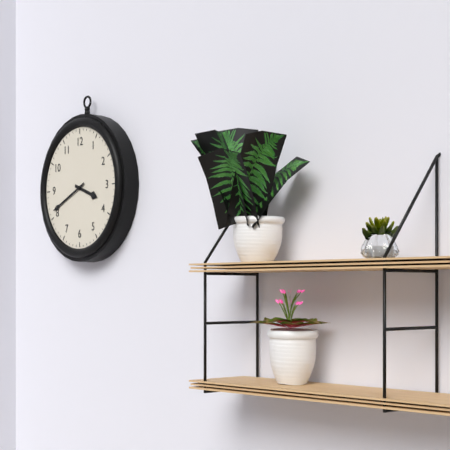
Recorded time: 3:41
